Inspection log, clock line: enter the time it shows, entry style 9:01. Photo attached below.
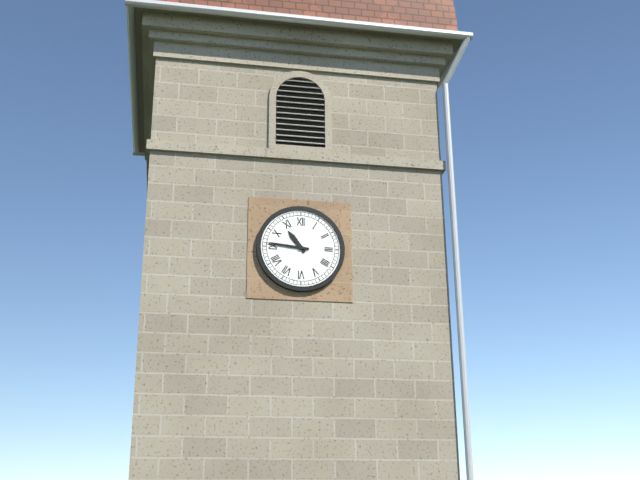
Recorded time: 10:46
